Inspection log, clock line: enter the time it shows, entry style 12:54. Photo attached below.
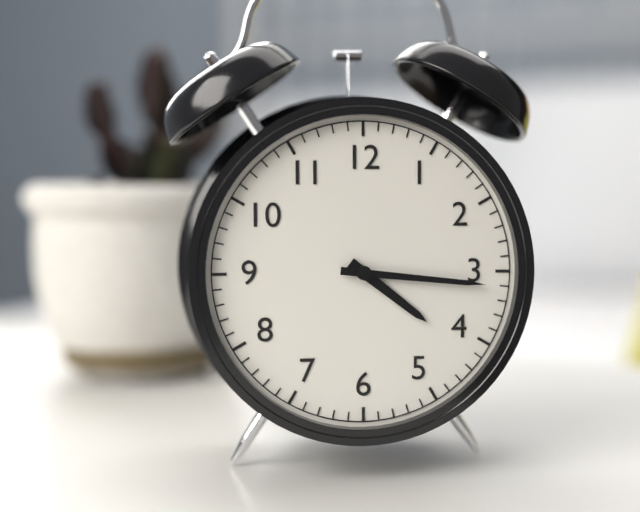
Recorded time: 4:16
